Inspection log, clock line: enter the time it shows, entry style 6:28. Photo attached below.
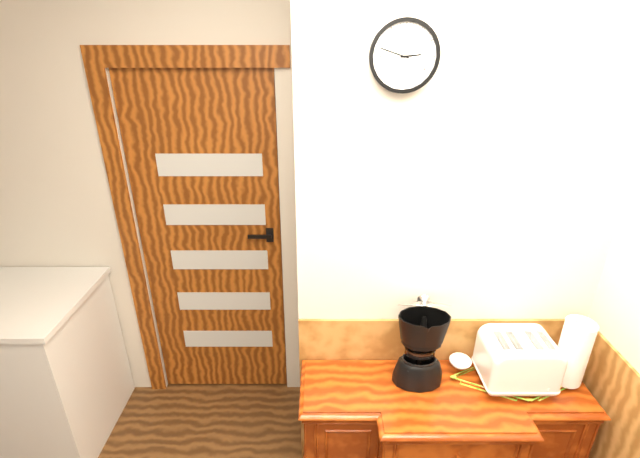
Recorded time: 2:48
